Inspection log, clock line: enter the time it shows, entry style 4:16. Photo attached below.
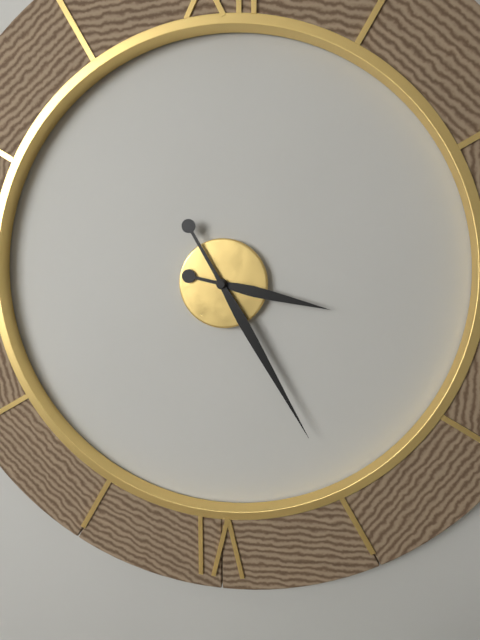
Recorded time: 3:25
